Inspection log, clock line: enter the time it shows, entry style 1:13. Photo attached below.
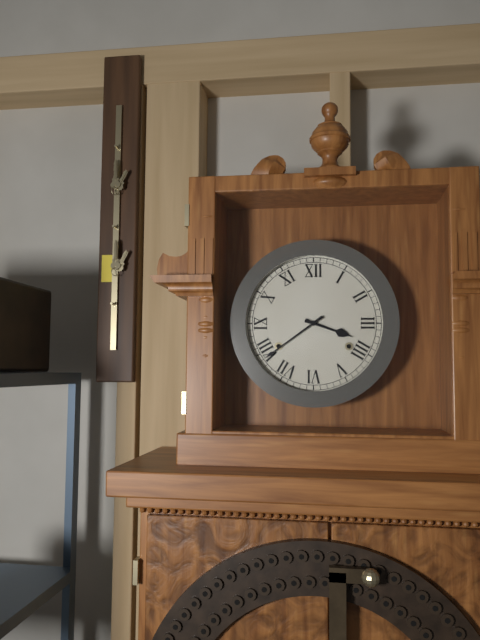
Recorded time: 3:39
